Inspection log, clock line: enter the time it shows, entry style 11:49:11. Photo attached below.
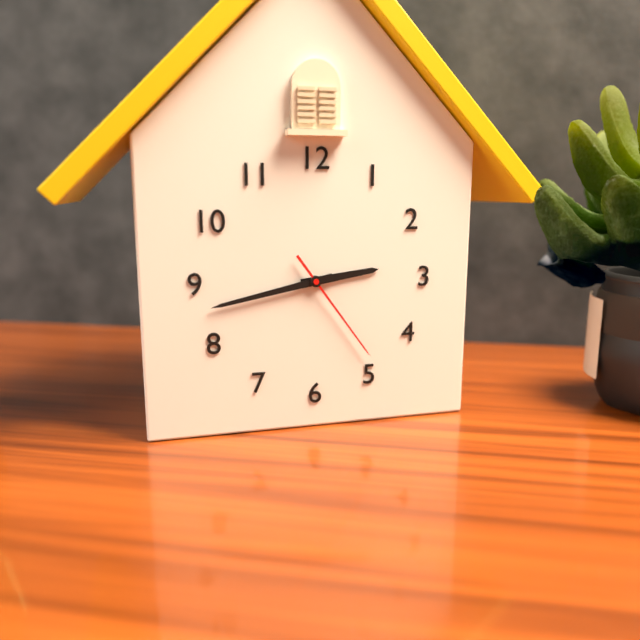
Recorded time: 2:43:24
